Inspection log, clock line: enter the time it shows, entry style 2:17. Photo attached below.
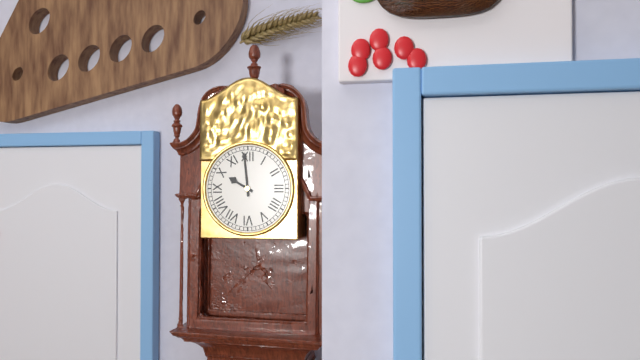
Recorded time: 9:59
